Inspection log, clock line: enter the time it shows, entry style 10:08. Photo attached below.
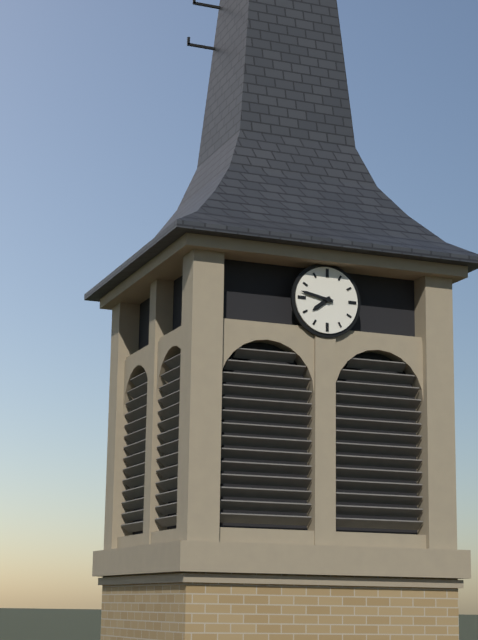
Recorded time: 7:47
